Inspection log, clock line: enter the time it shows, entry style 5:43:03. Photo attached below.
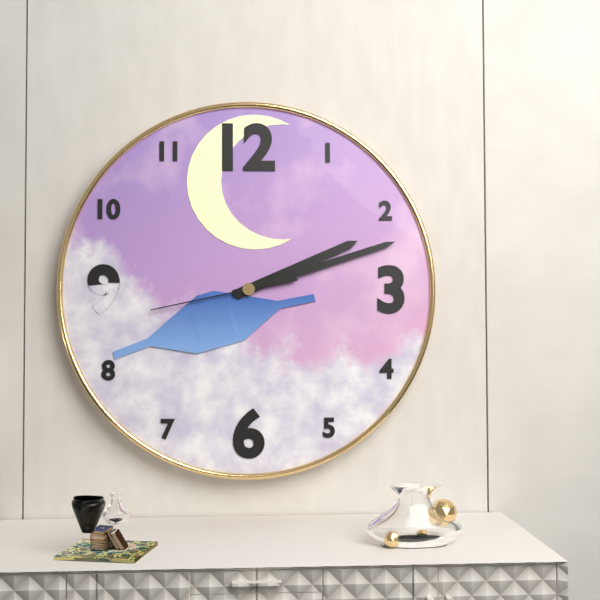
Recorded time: 2:12:43
